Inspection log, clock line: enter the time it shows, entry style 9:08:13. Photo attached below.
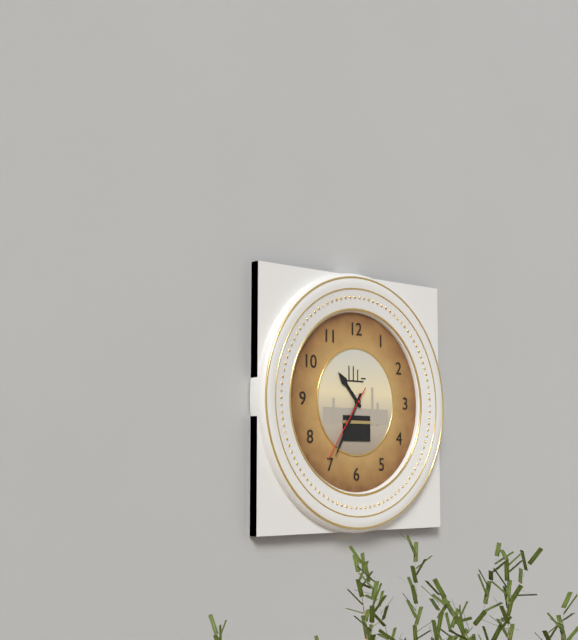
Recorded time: 10:35:36
